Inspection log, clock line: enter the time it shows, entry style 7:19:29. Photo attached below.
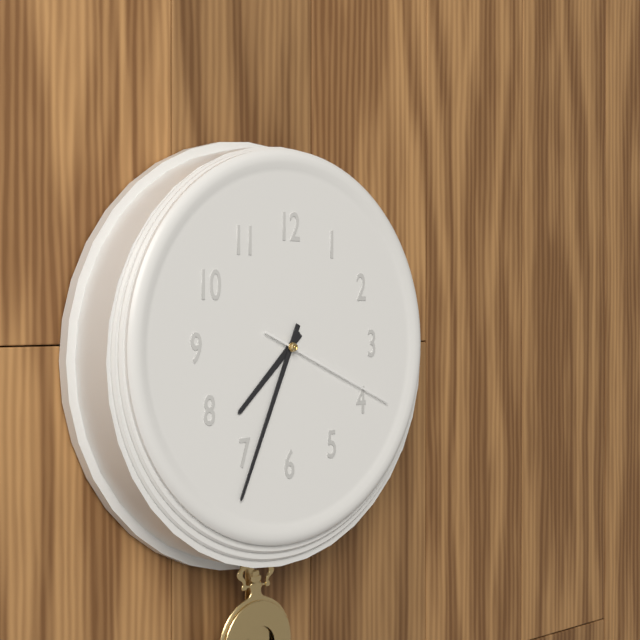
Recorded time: 7:34:19
